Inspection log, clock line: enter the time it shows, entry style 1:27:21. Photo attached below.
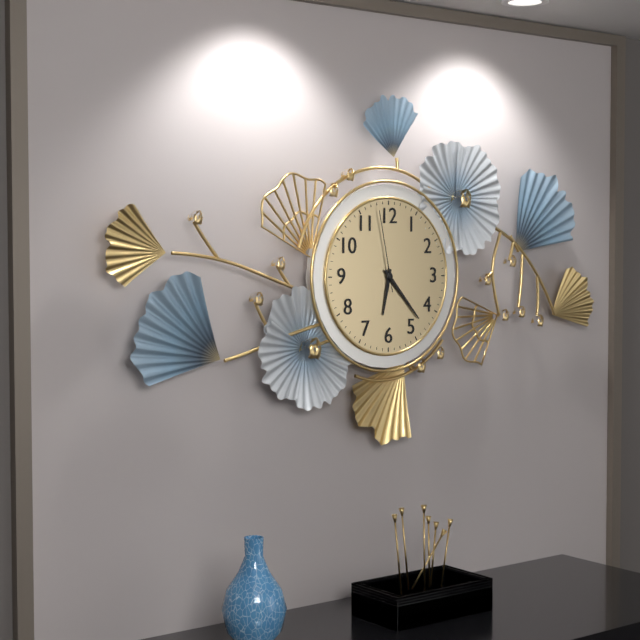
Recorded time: 6:23:58
